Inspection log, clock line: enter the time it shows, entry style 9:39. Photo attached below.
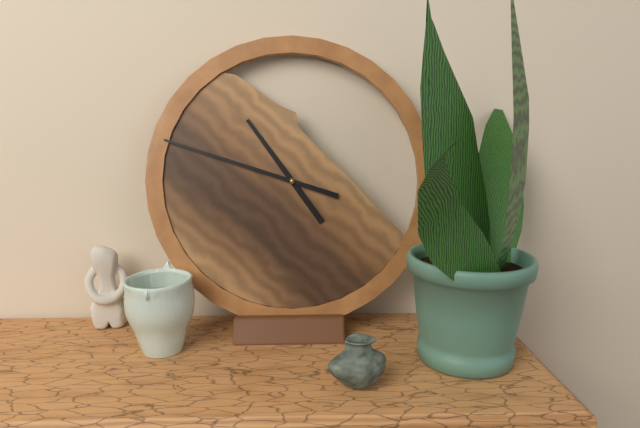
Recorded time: 10:48
